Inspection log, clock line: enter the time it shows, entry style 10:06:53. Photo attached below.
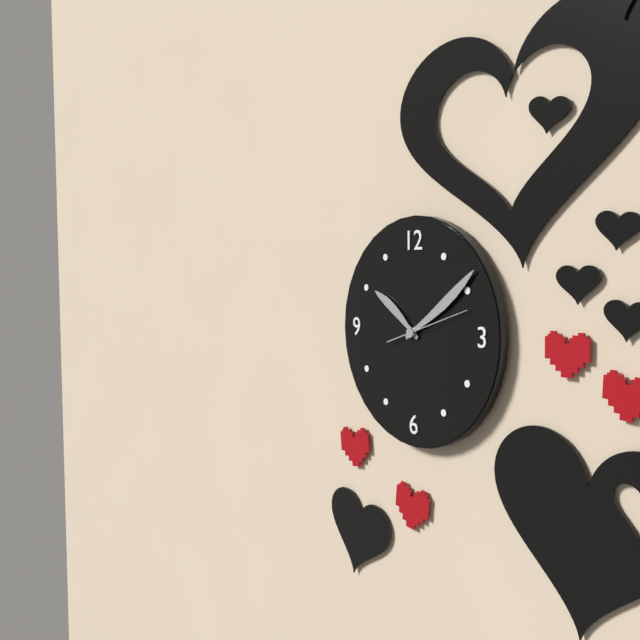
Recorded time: 10:09:12
